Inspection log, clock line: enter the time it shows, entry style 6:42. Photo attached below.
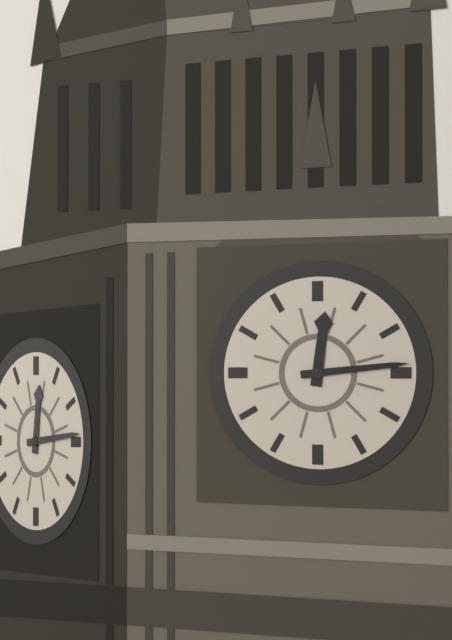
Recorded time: 12:14
